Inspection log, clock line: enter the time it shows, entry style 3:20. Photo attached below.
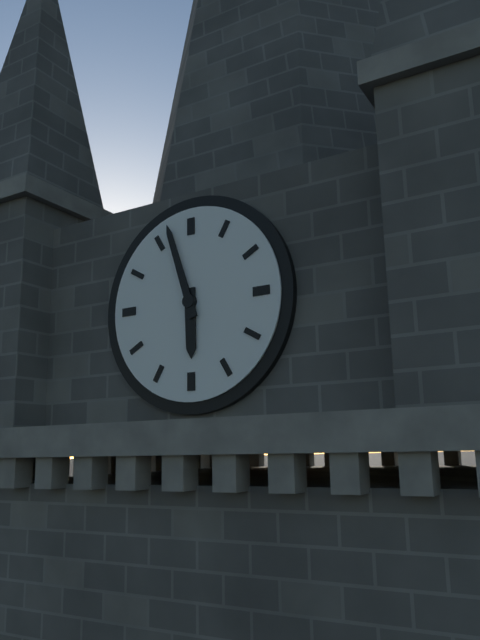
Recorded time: 5:57
